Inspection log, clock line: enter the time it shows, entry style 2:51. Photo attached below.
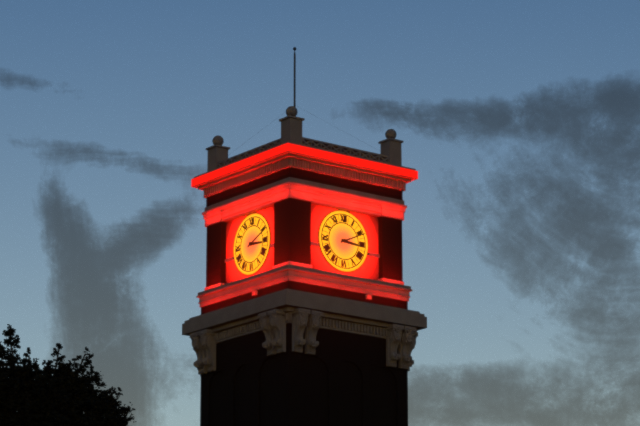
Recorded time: 3:11
